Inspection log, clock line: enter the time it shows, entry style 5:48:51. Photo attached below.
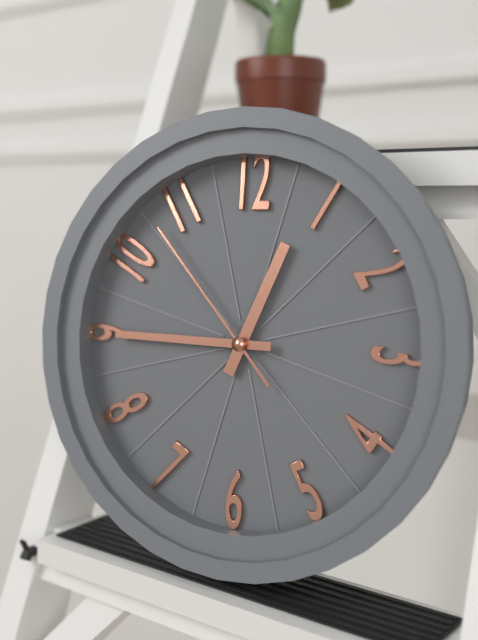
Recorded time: 12:45:53
